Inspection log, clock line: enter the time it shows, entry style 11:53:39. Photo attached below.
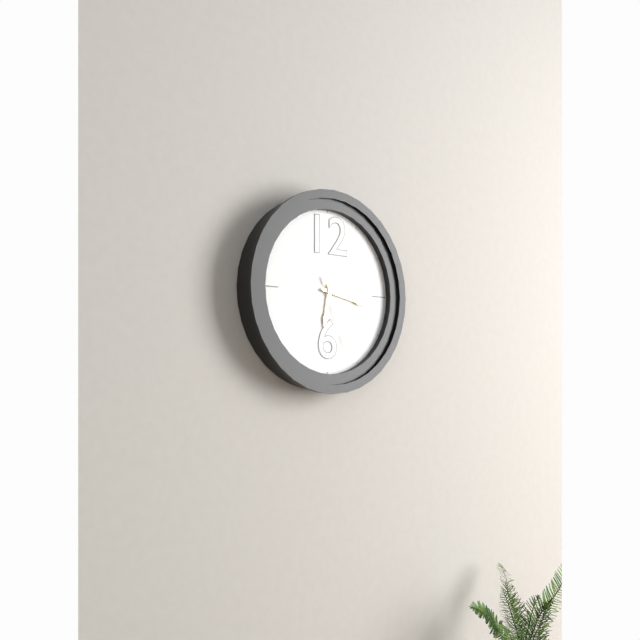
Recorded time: 6:17:26
